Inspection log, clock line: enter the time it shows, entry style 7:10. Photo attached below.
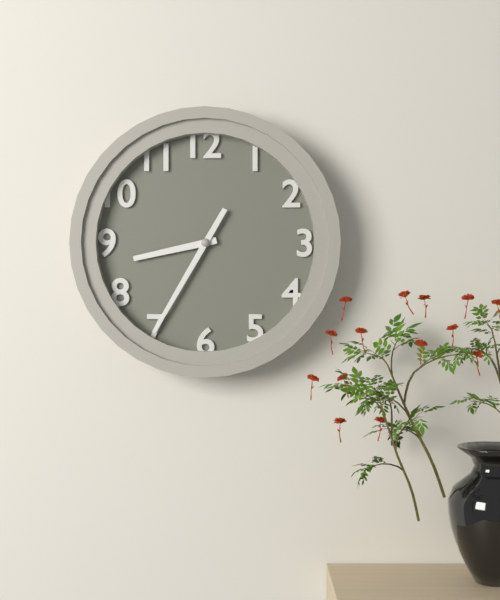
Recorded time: 8:35
